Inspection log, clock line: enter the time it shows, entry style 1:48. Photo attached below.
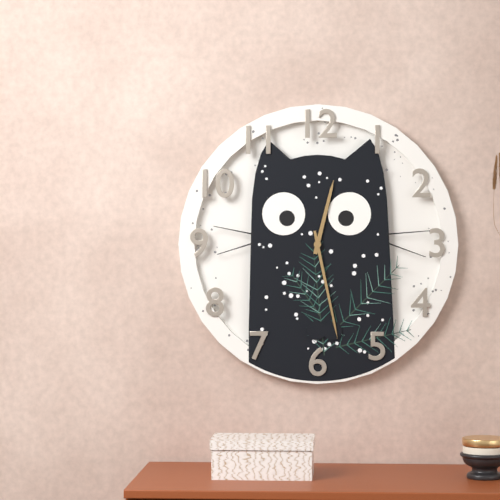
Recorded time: 12:28
